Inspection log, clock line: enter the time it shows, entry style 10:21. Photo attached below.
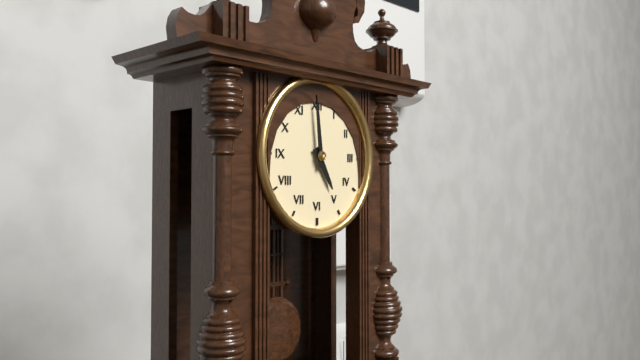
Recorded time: 4:59
